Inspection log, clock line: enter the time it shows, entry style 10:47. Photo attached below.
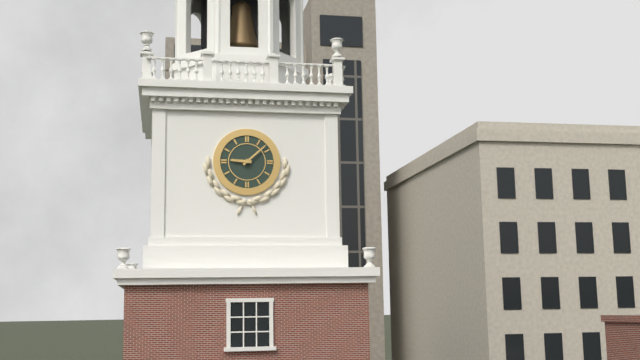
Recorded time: 9:08
